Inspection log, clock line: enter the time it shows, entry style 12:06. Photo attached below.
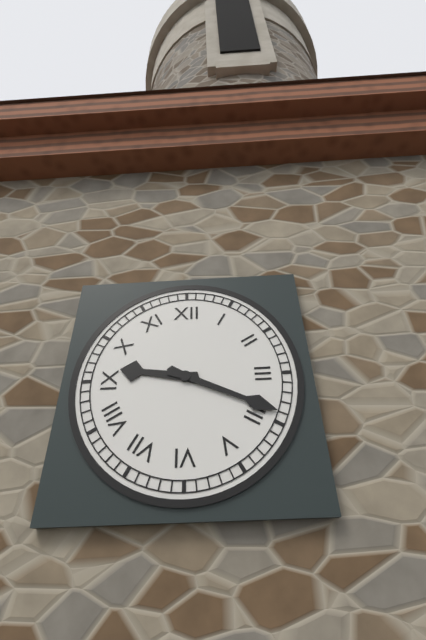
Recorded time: 9:19
